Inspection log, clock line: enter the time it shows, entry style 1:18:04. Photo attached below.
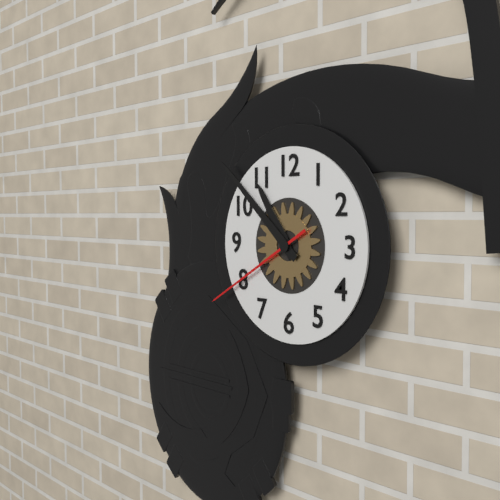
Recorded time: 10:52:40
